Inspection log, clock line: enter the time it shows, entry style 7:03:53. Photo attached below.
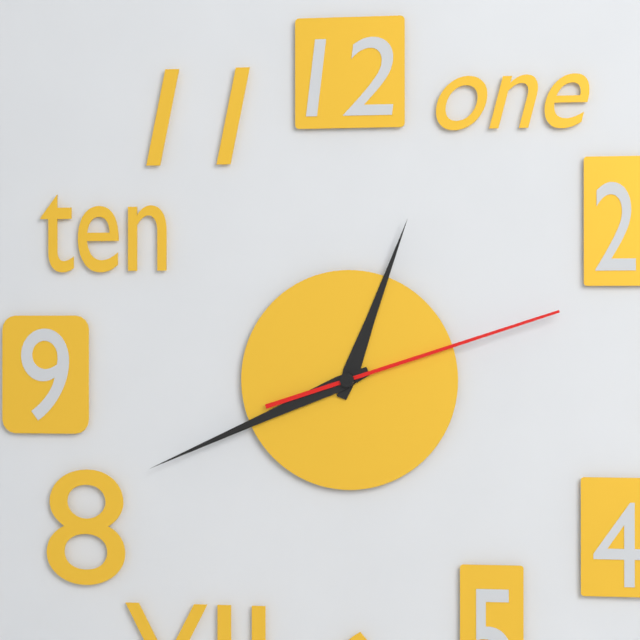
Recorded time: 12:41:12
